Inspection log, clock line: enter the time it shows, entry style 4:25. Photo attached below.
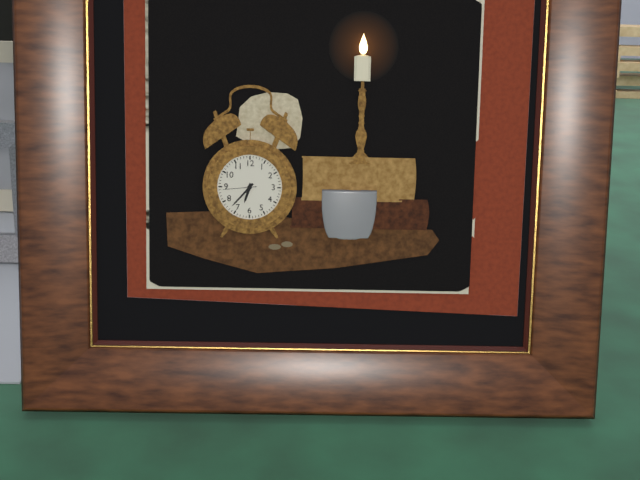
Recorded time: 6:37
